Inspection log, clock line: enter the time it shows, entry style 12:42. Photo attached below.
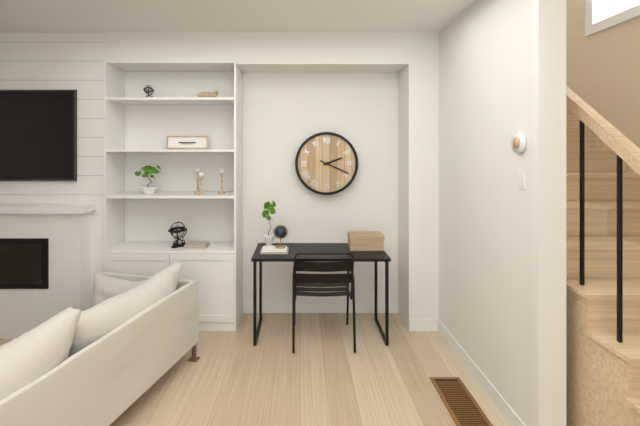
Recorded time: 2:19
